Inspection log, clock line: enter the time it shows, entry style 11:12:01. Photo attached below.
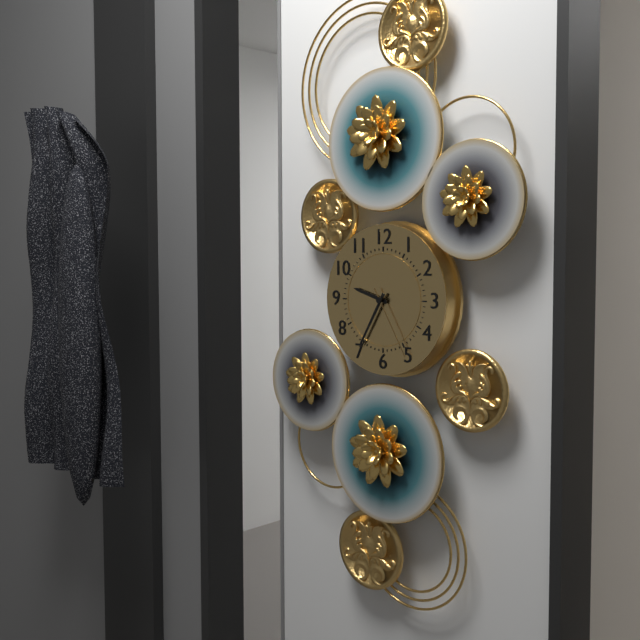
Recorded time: 9:35:25
